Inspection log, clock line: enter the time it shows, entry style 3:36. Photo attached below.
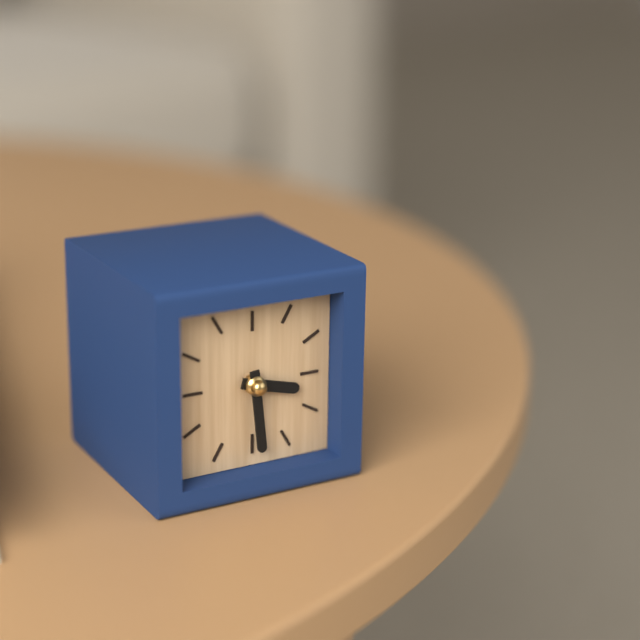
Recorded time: 3:29
